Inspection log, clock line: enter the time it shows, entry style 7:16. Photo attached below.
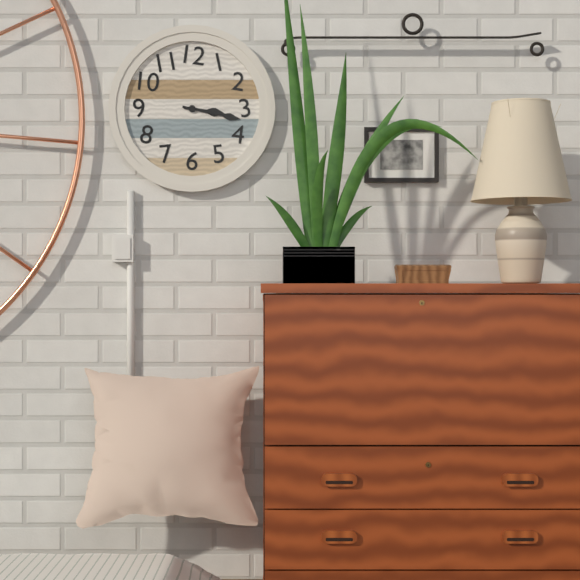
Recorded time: 3:17
